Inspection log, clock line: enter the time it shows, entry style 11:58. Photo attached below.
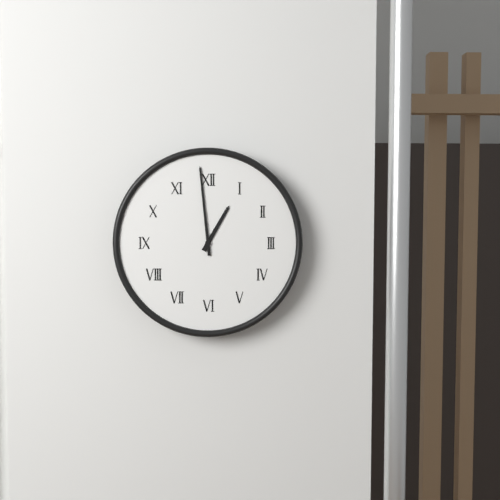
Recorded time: 12:59
